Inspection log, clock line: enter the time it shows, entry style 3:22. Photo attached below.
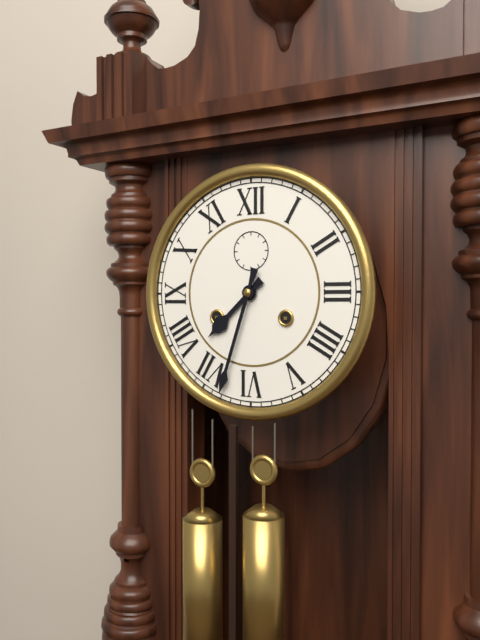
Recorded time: 7:33
